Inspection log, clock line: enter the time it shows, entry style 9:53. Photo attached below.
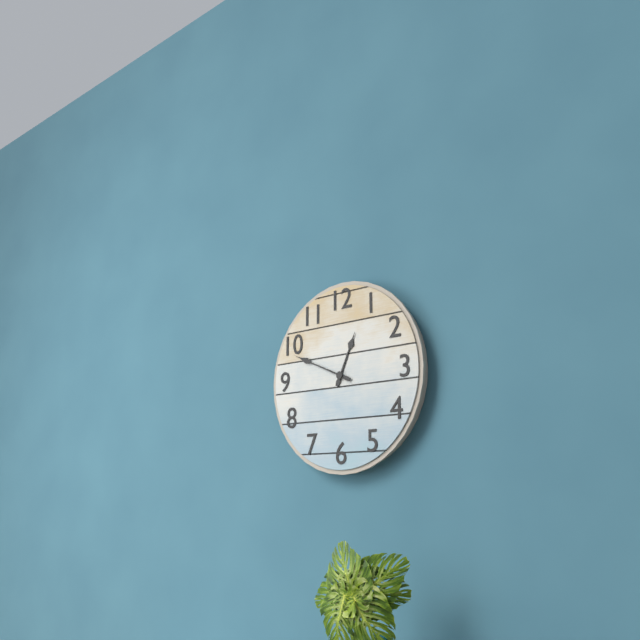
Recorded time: 12:49
